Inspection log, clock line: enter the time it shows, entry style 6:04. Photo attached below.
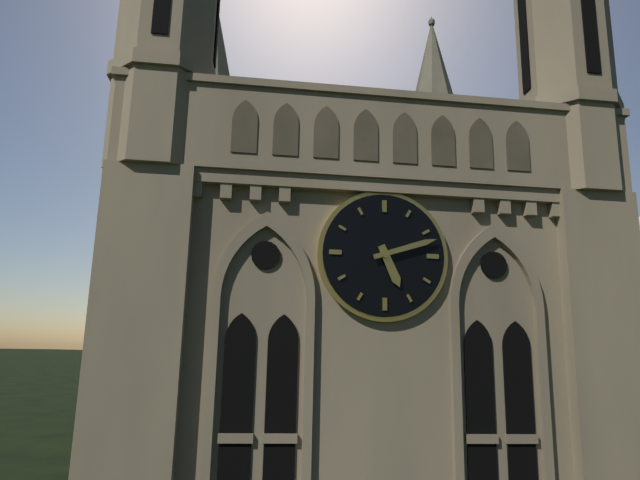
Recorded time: 5:12
